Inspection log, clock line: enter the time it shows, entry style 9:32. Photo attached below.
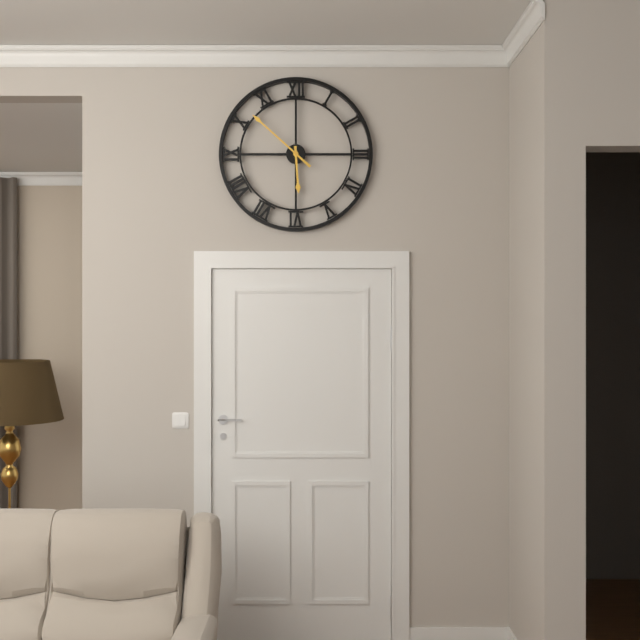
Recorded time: 5:52
